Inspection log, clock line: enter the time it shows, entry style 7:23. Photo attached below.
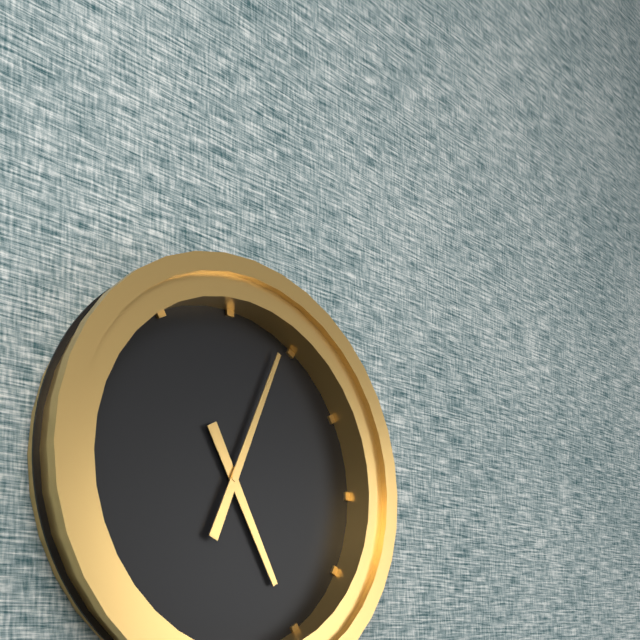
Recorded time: 5:04
